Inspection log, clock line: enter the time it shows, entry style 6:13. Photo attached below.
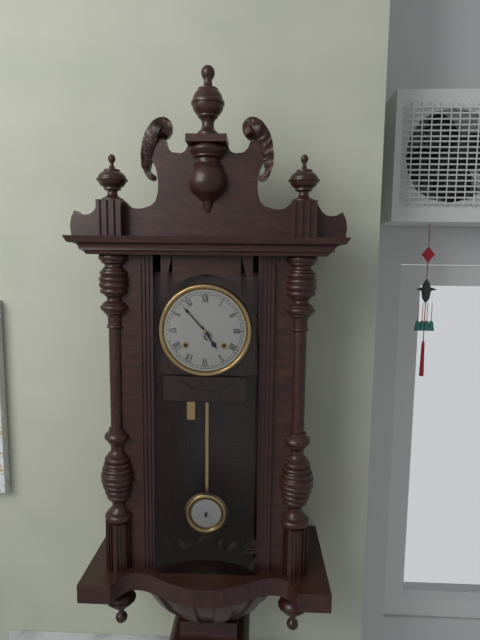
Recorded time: 4:53
